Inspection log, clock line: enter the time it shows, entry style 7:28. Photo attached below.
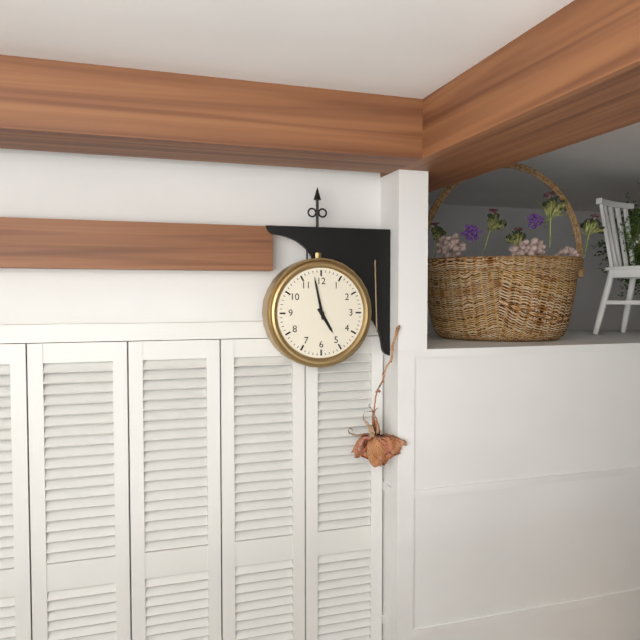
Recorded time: 4:58
